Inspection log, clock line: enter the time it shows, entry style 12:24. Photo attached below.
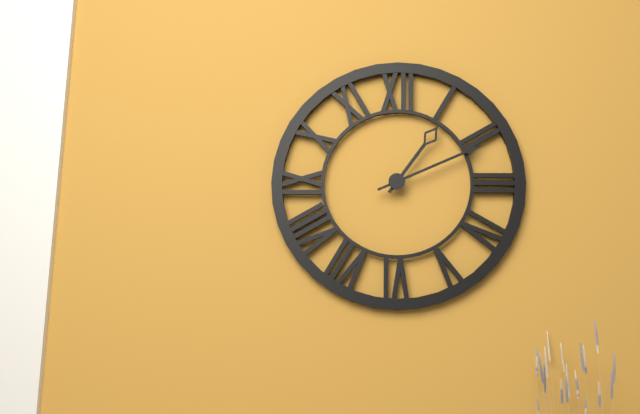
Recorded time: 1:11
